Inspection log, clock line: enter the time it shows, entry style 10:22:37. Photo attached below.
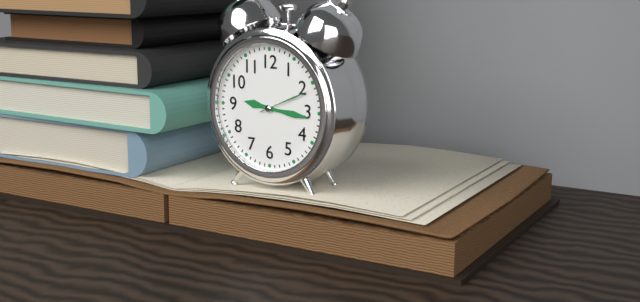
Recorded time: 9:16:11
